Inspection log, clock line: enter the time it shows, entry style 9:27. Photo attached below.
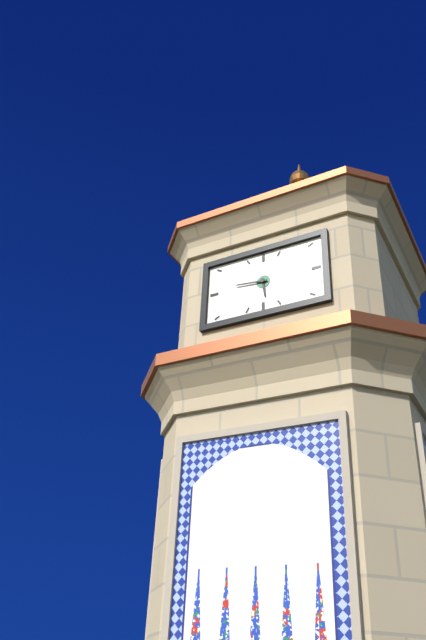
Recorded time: 5:46
